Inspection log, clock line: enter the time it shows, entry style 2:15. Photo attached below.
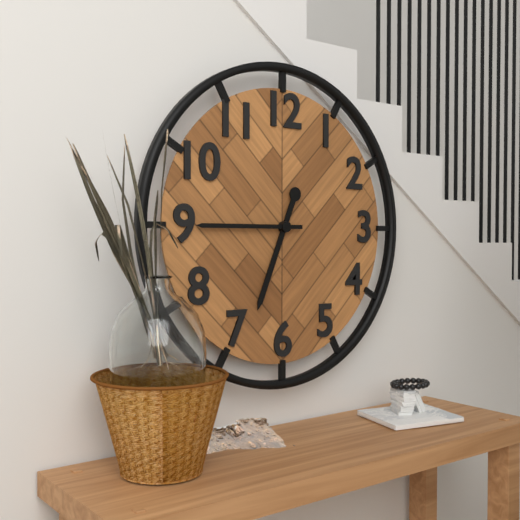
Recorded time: 6:45
